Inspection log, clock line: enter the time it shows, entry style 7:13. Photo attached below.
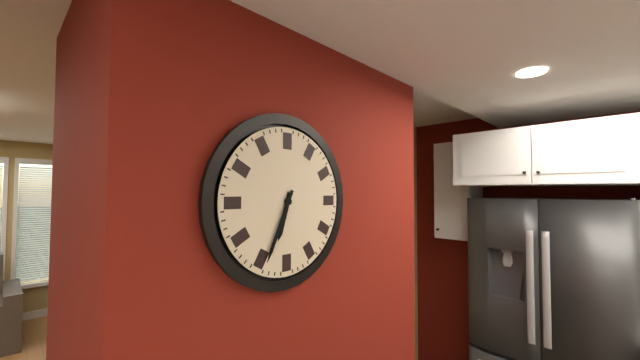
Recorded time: 6:34
